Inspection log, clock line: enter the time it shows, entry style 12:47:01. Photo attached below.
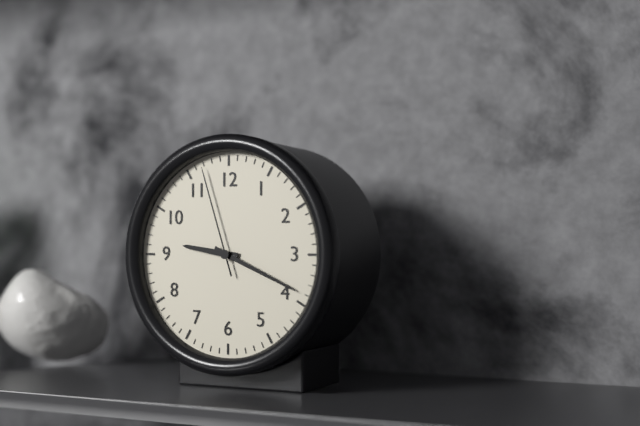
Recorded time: 9:19:57
